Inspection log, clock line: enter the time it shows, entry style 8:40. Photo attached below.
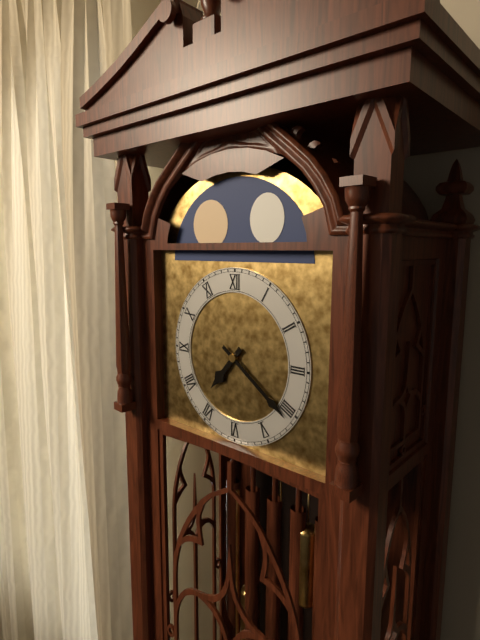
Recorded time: 7:21
